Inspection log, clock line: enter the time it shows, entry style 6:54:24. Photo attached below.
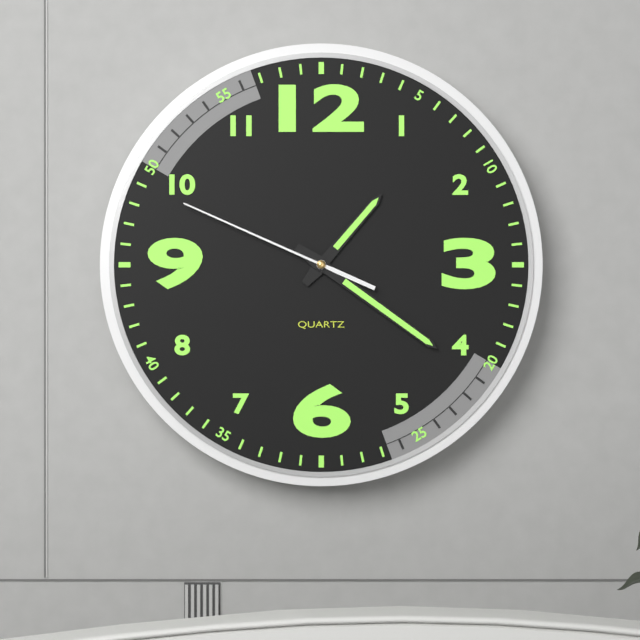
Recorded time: 1:21:49
